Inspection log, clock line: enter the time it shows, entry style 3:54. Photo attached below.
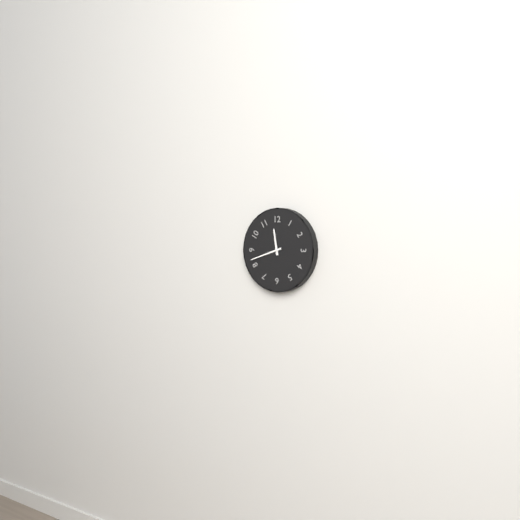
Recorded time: 11:42
